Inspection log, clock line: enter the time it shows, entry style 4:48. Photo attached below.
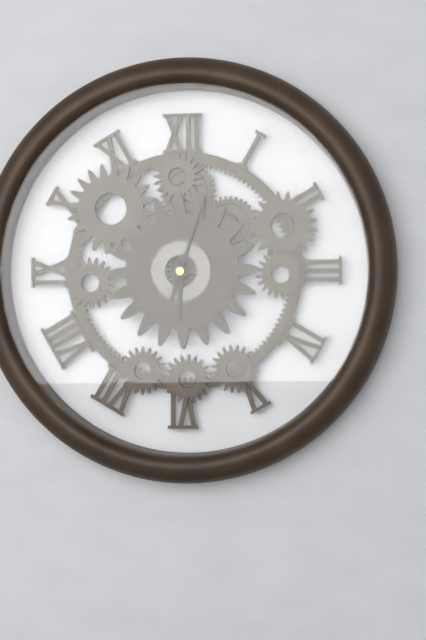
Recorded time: 6:03
